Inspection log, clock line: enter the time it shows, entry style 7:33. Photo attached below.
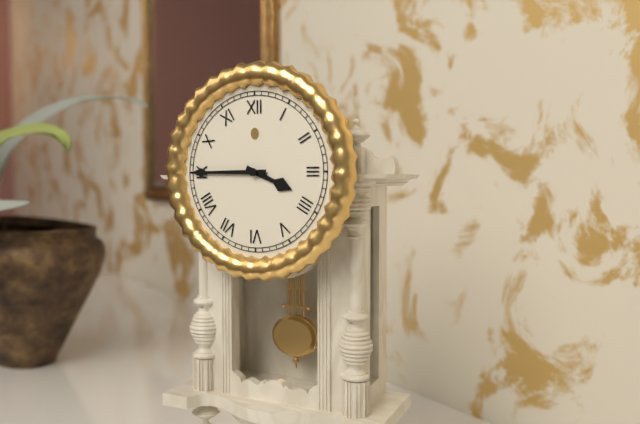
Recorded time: 3:45
